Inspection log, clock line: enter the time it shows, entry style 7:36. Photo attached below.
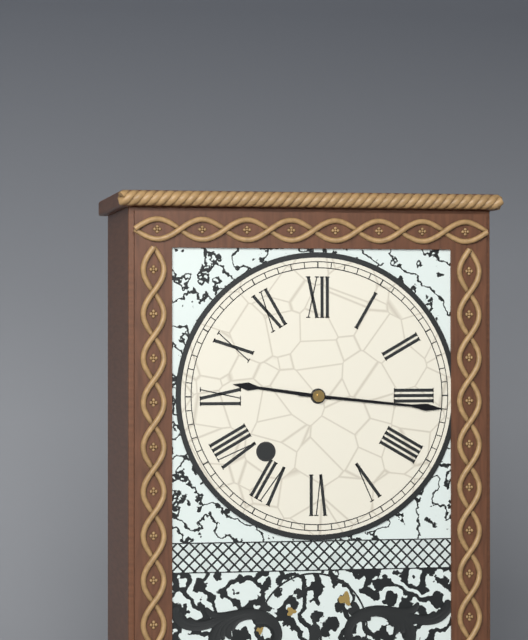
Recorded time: 9:16
